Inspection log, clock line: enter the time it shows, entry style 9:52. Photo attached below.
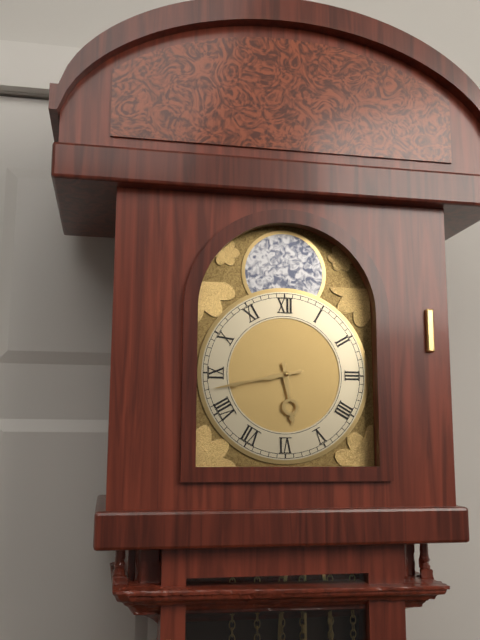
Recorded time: 5:43
